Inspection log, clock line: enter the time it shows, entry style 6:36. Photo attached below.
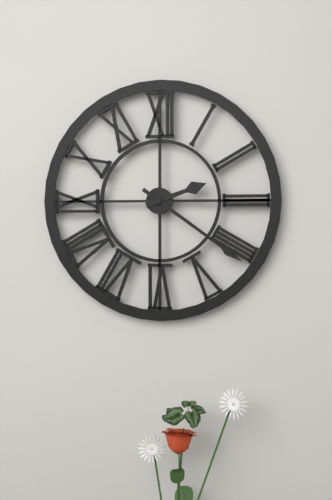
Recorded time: 2:21
